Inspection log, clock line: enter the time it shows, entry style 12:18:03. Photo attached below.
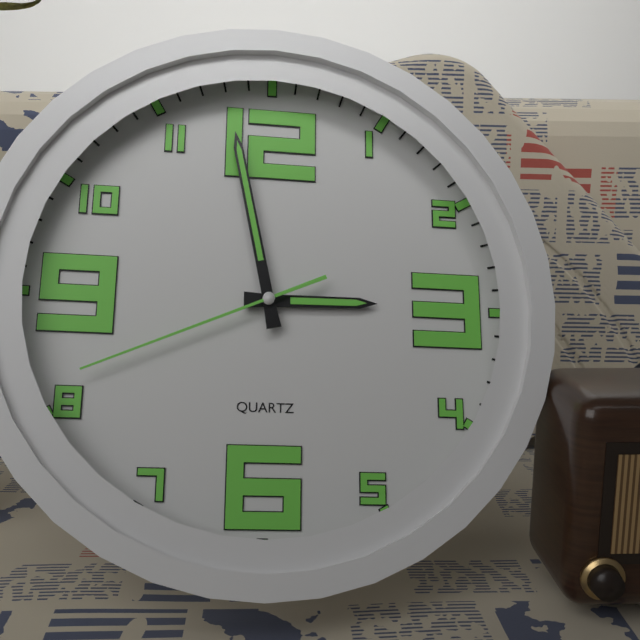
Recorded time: 2:58:41
